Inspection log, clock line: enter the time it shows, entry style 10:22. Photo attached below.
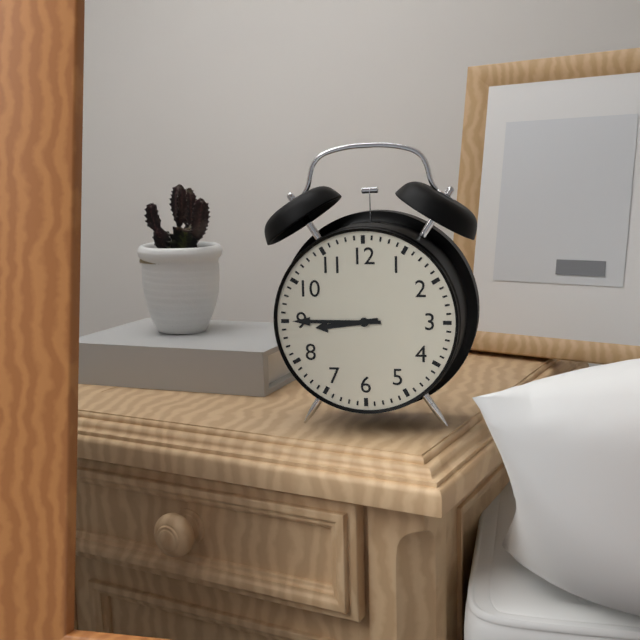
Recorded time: 8:45
